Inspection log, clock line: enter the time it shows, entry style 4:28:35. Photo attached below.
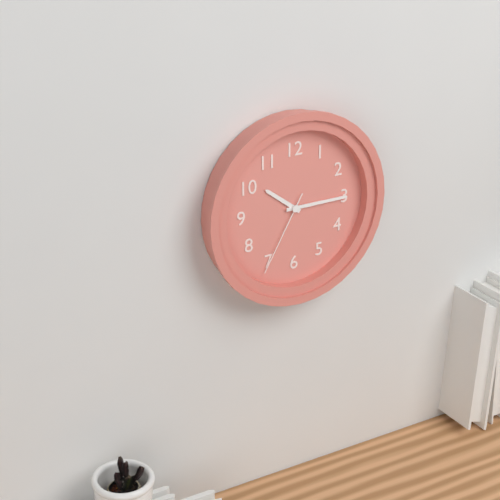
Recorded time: 10:15:35
